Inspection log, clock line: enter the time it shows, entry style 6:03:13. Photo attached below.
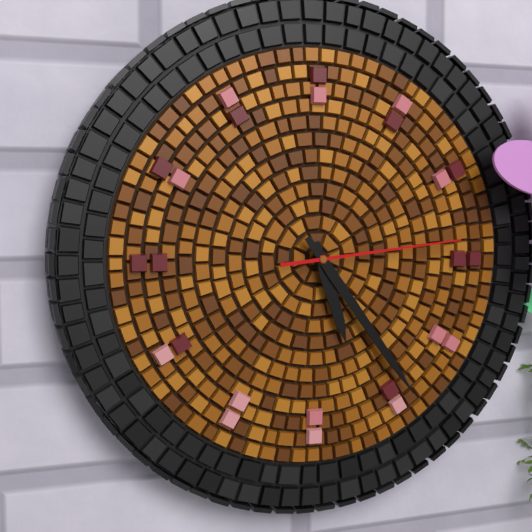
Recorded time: 5:24:14
